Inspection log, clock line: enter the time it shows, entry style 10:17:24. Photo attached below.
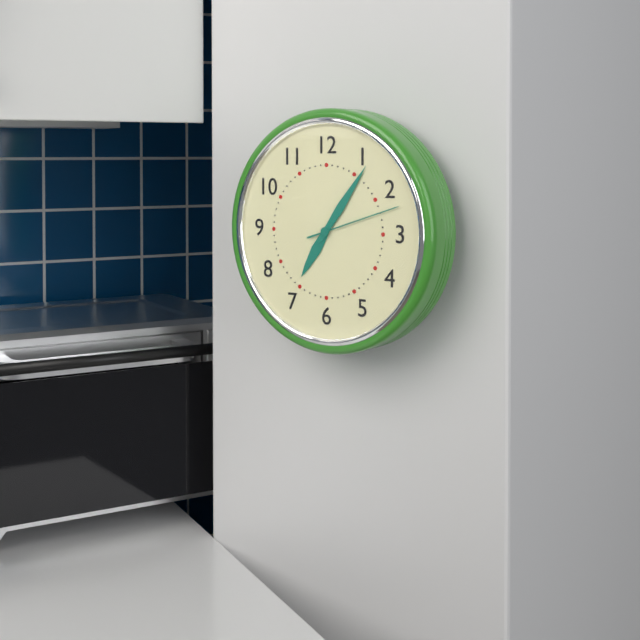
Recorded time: 7:06:12
